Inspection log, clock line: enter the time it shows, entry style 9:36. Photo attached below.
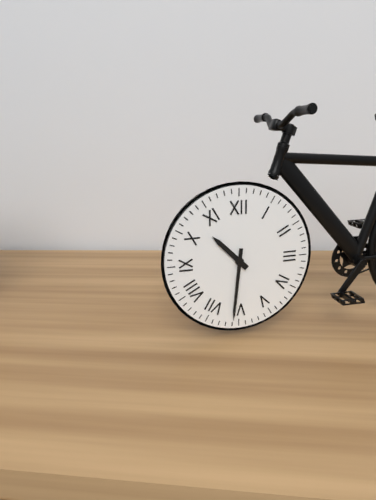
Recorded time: 10:31
